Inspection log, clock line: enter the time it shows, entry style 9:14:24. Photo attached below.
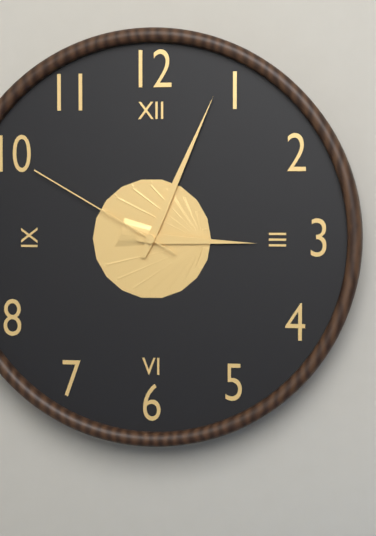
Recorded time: 3:04:50
